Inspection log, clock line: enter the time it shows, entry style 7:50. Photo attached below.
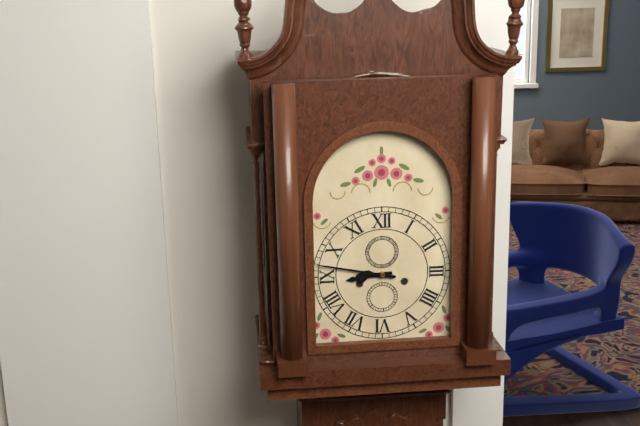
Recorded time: 8:47
